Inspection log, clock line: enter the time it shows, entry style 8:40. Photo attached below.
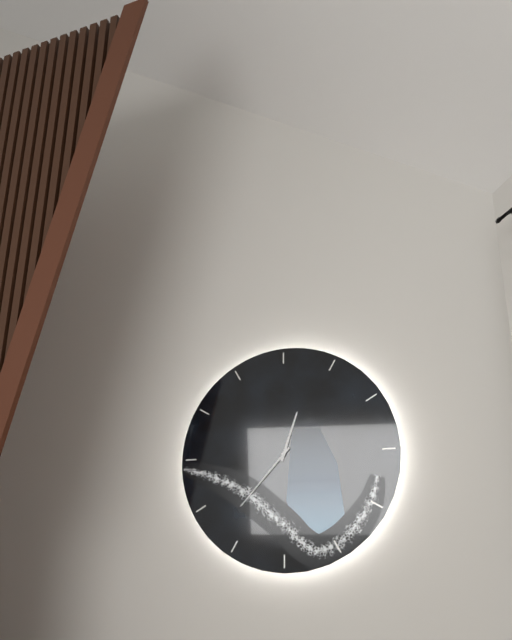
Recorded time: 12:37
